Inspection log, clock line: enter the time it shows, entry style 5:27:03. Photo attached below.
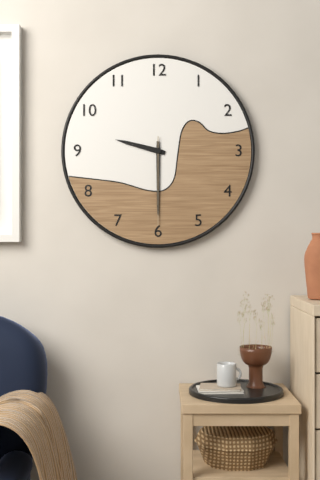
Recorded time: 9:30:30
